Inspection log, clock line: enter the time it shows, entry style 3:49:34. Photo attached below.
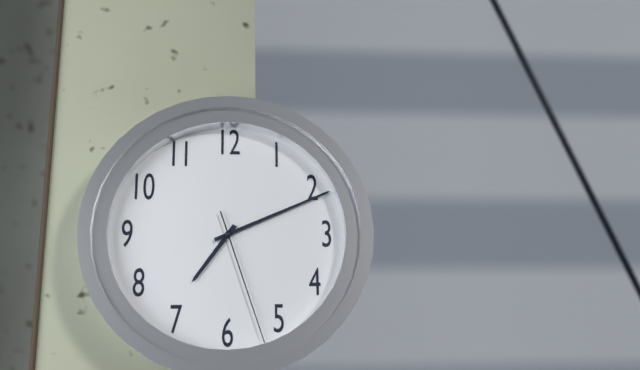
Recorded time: 7:11:27
